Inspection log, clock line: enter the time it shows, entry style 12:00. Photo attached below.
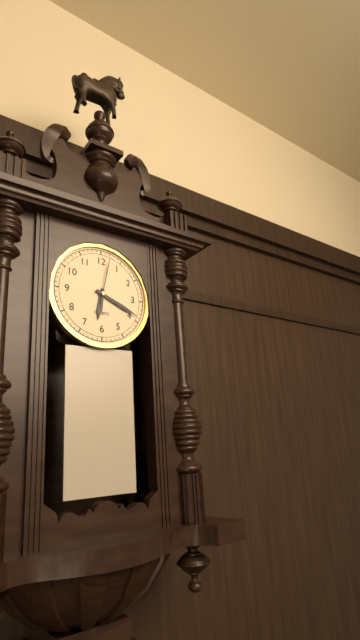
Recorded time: 6:19
